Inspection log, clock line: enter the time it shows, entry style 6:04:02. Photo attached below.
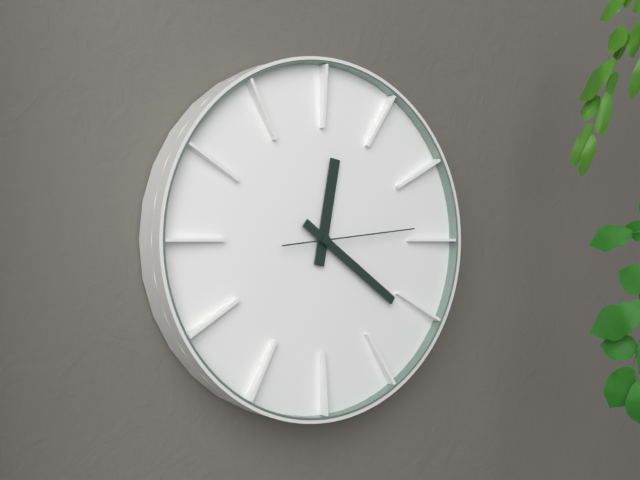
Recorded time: 12:21:14
